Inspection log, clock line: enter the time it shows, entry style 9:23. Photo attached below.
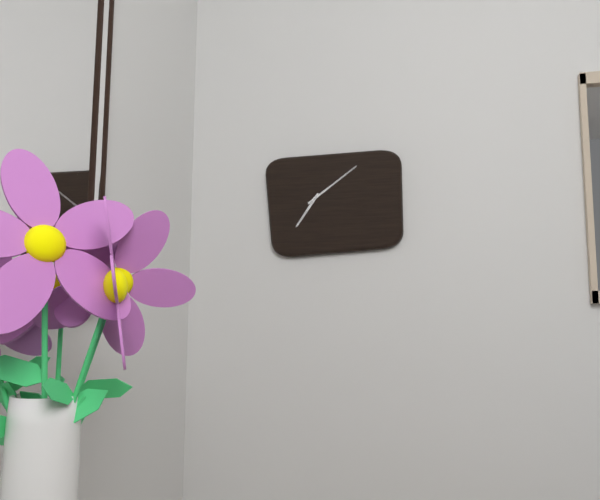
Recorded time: 7:09
